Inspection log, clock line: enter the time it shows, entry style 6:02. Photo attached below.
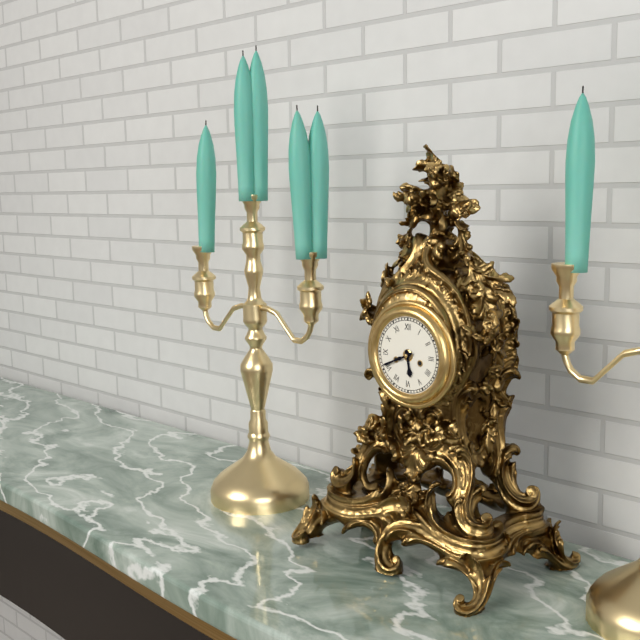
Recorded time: 5:41
